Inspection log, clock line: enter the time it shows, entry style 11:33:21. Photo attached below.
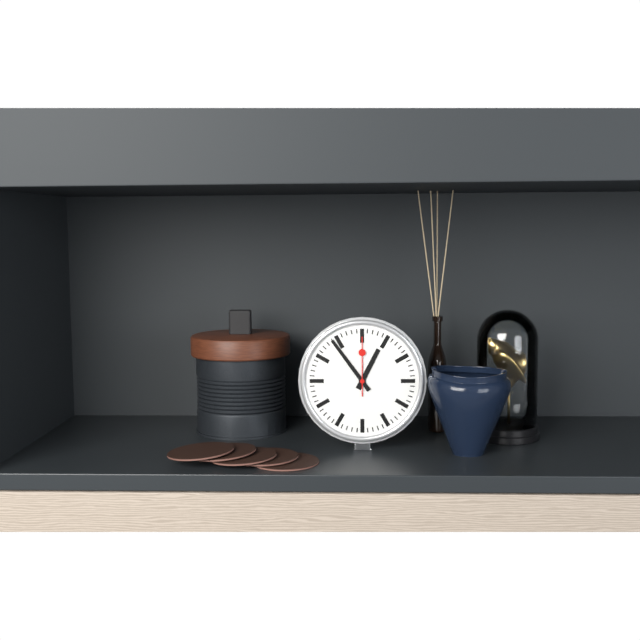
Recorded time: 12:54:00
